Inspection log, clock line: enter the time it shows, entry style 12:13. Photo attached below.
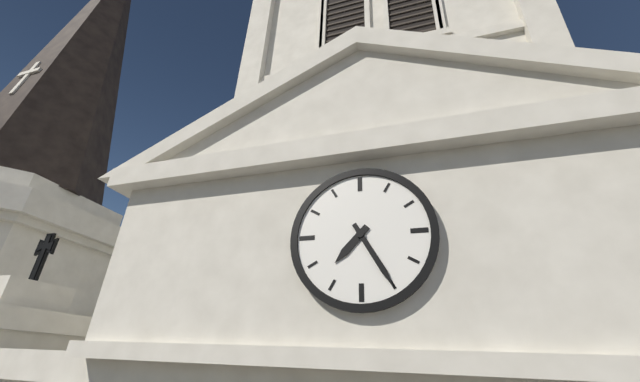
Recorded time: 7:25
